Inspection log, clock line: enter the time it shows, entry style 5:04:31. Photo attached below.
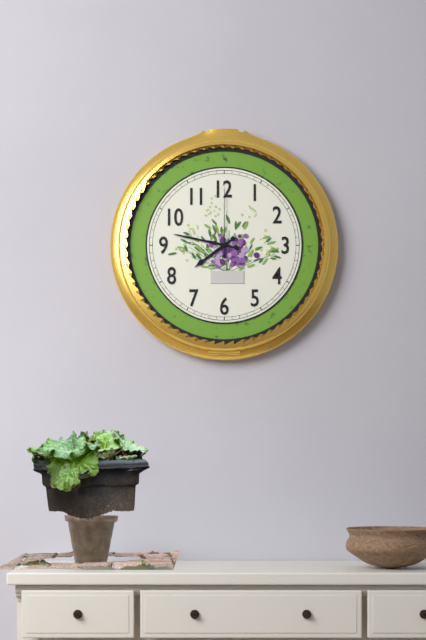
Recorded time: 7:47:00
